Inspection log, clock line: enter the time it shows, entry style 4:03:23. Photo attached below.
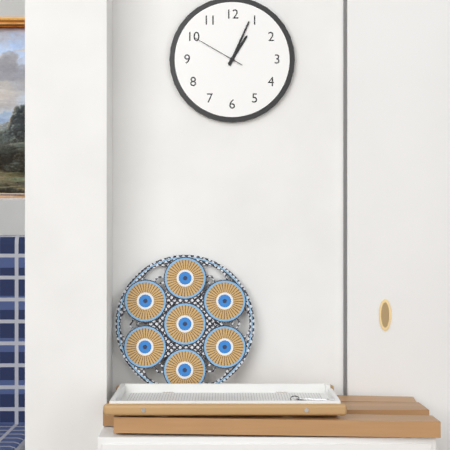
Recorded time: 1:04:50
